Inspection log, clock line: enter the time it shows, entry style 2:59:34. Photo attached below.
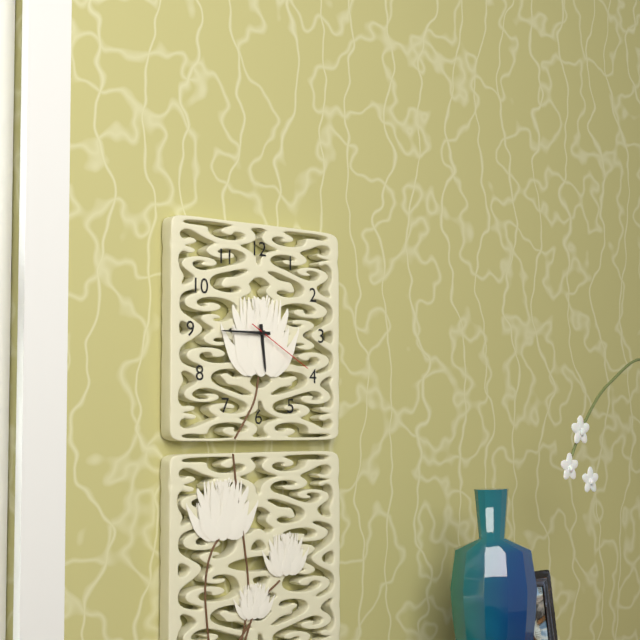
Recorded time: 5:45:20
